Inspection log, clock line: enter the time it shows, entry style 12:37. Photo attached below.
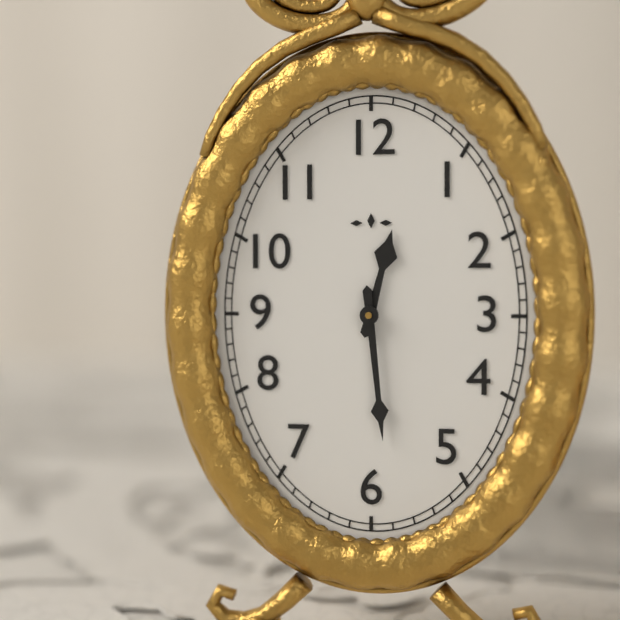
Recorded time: 12:29
